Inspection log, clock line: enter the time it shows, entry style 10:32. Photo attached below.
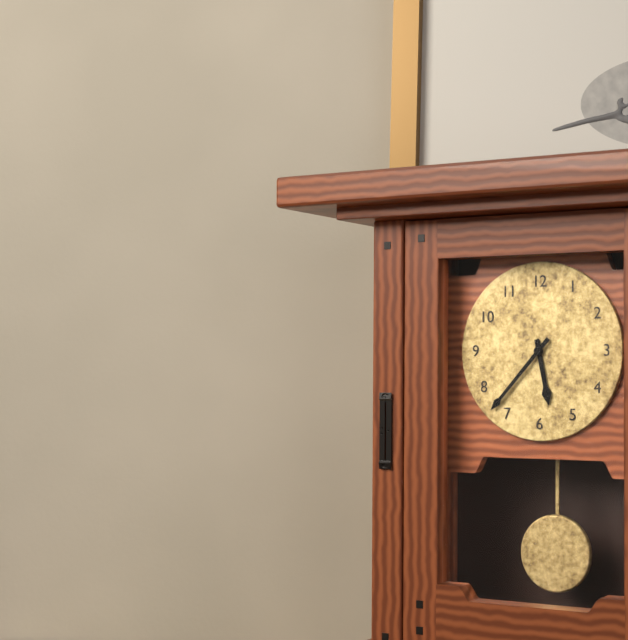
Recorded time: 5:37
